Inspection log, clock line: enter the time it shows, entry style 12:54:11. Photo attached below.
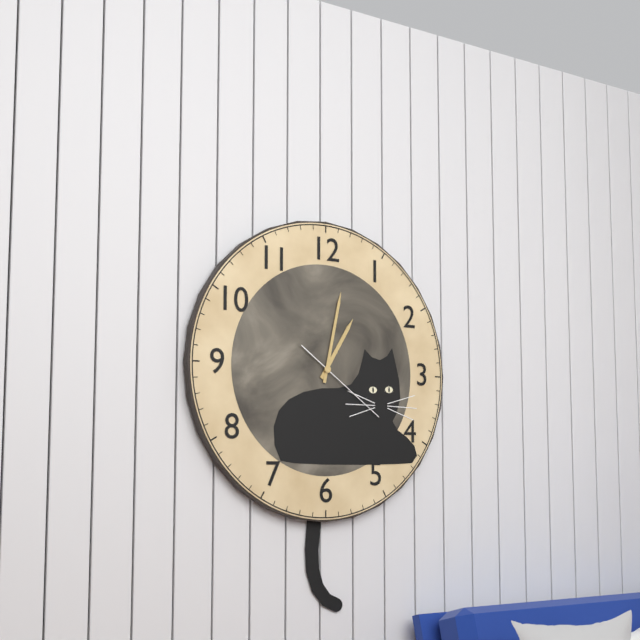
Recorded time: 1:02:21
